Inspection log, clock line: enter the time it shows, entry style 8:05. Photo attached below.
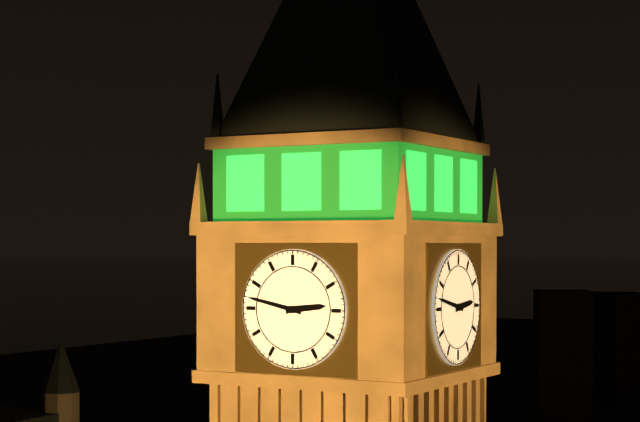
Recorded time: 2:47
